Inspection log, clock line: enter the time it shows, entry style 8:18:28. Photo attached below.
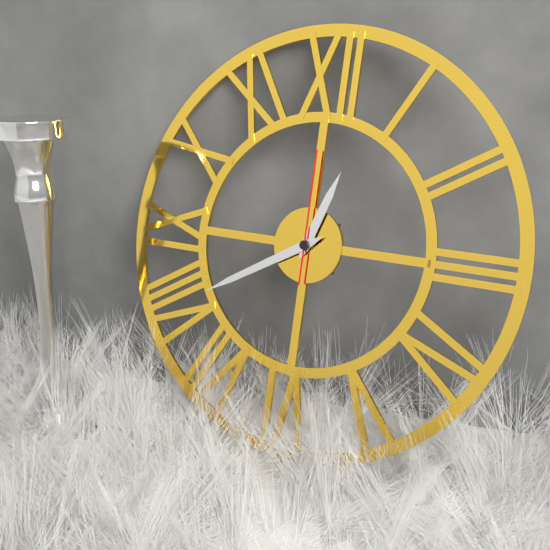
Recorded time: 12:40:00
